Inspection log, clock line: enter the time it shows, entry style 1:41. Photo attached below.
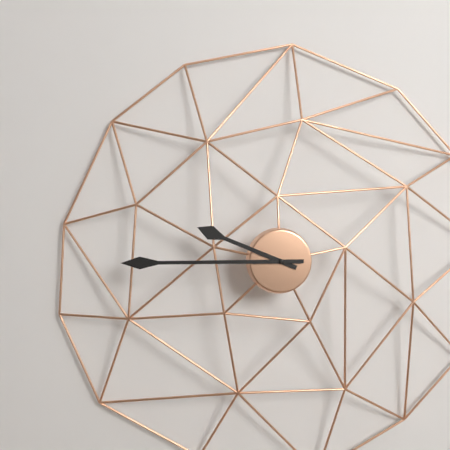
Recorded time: 9:45
